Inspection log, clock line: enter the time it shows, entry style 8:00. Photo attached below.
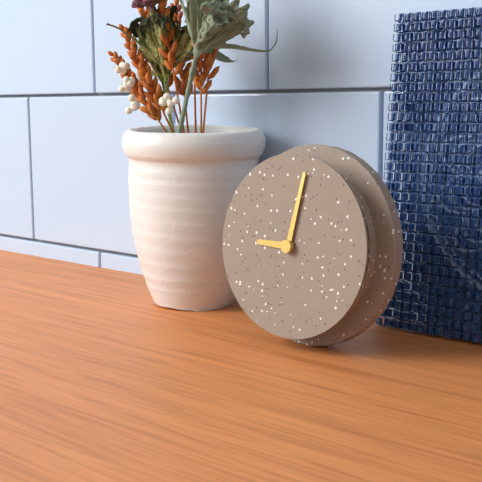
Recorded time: 9:02
